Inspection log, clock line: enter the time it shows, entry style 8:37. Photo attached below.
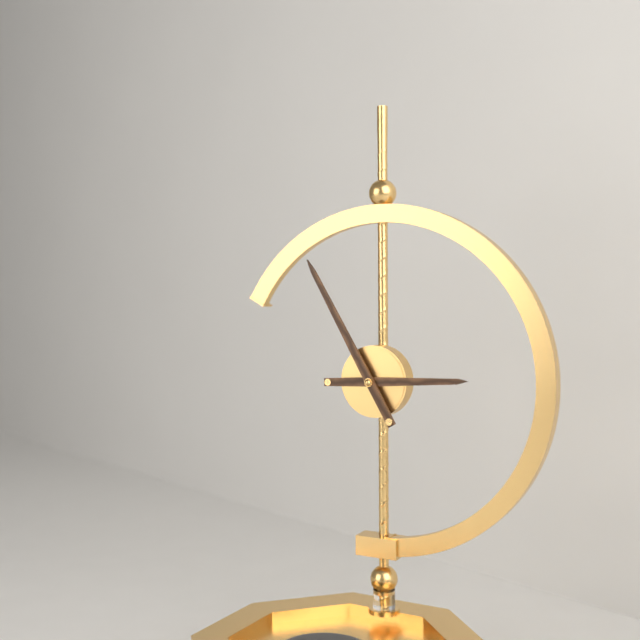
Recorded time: 2:55
